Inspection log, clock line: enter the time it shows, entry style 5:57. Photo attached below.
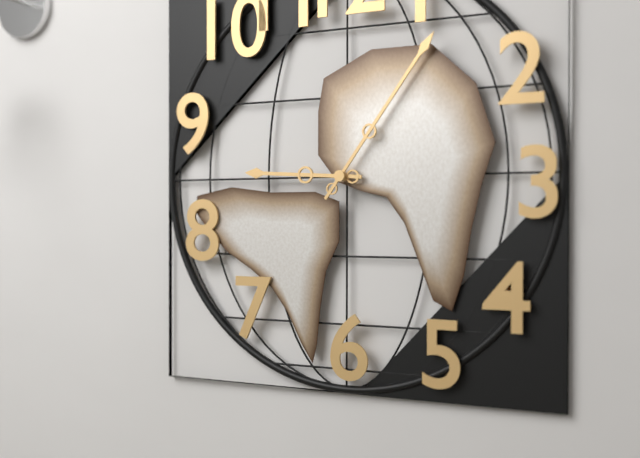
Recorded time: 9:06
